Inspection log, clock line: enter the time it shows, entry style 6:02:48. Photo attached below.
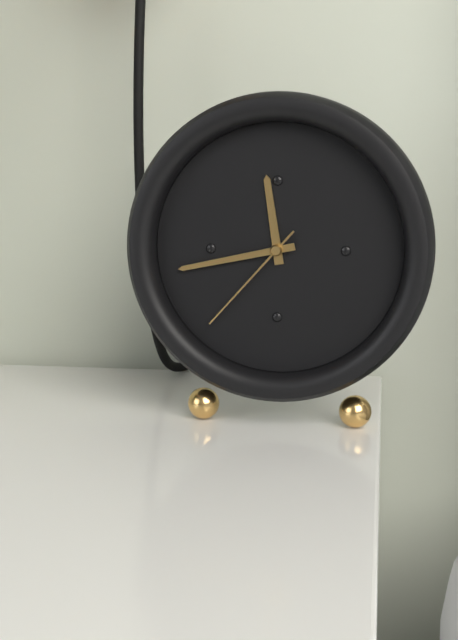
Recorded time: 11:43:37
